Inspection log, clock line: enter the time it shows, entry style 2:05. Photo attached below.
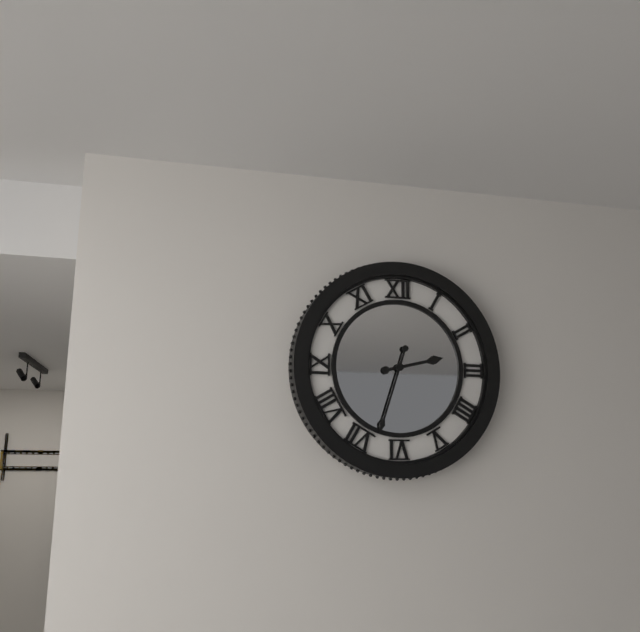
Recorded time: 2:33
